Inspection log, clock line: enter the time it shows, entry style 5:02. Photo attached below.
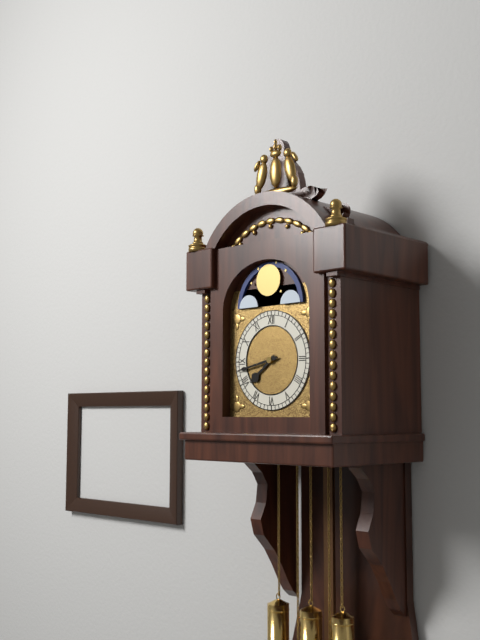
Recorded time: 7:43
